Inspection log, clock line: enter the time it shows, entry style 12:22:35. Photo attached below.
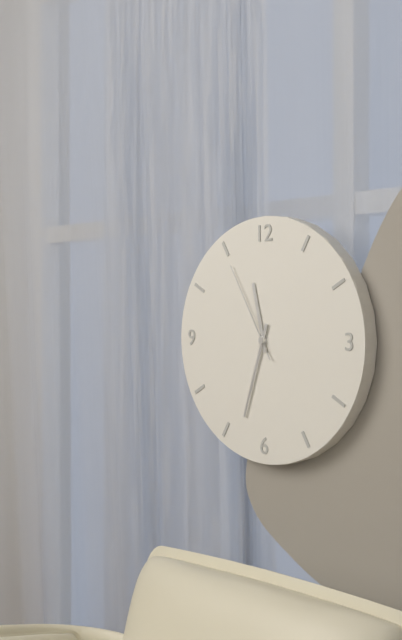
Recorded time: 11:33:55
